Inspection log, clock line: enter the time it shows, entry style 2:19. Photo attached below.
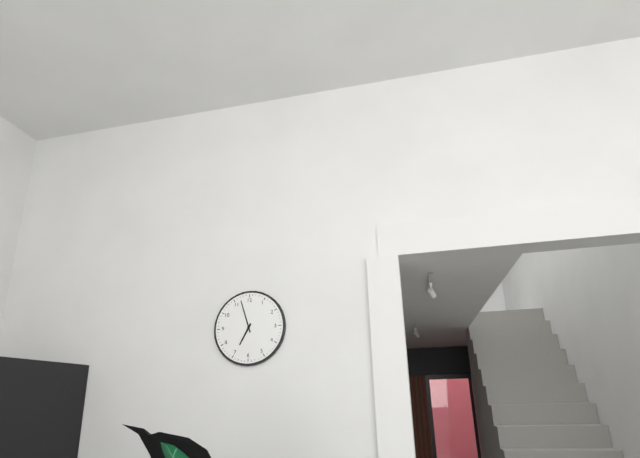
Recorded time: 6:57
